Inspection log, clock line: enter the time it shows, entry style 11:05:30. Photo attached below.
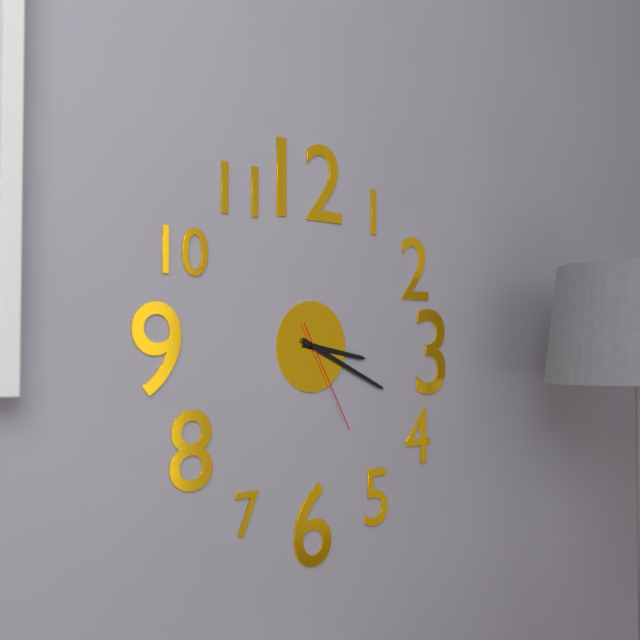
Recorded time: 3:19:25
